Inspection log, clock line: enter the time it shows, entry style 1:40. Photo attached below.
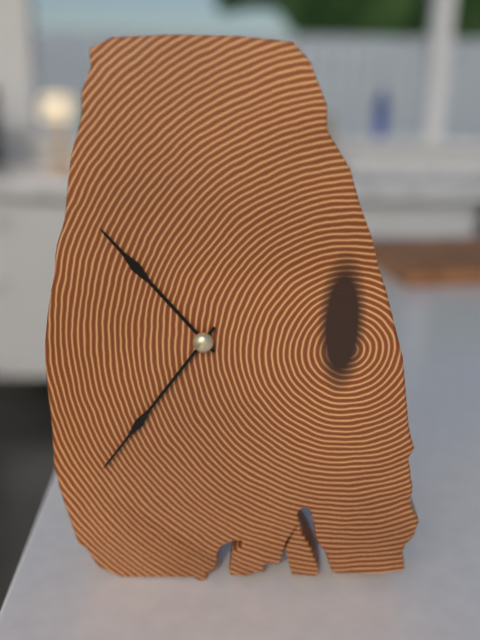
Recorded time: 10:36
